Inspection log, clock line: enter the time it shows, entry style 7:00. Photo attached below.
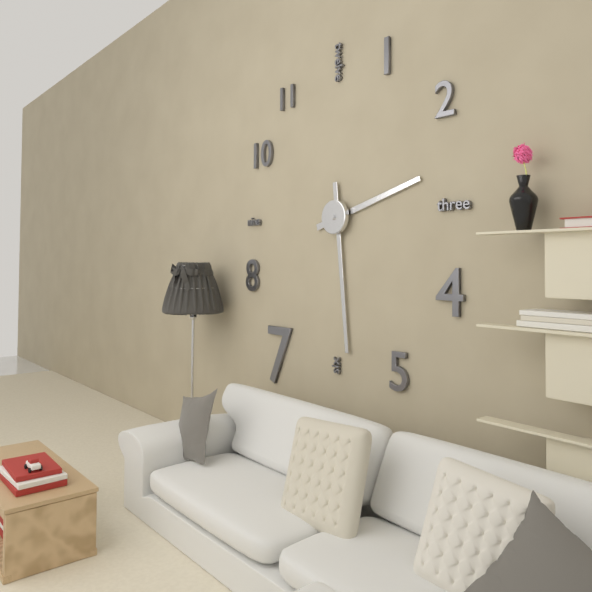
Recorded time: 2:29
